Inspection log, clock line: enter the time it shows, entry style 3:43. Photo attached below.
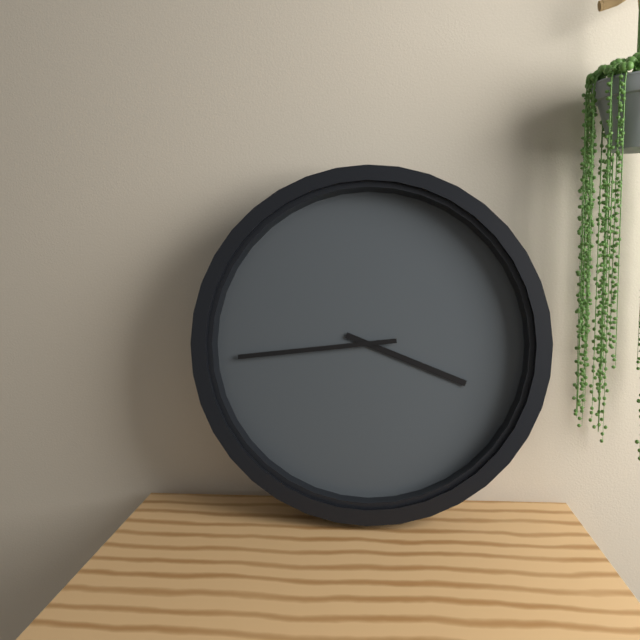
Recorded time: 3:44
